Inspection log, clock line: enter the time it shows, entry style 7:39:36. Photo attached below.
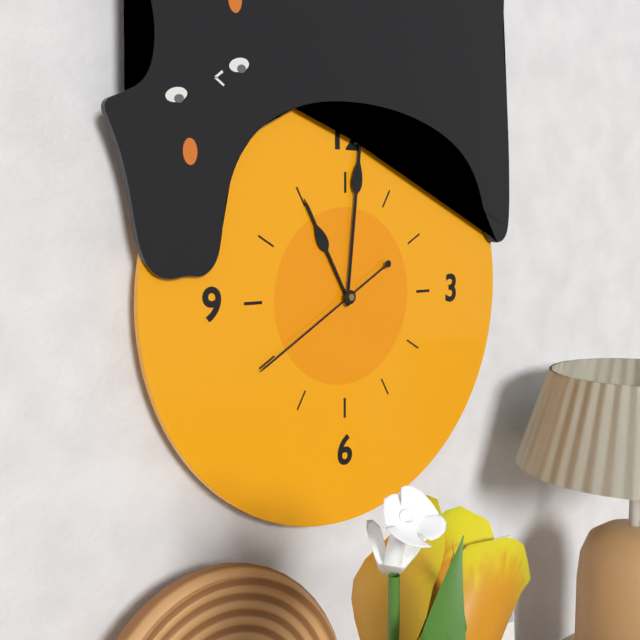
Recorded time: 11:01:40
